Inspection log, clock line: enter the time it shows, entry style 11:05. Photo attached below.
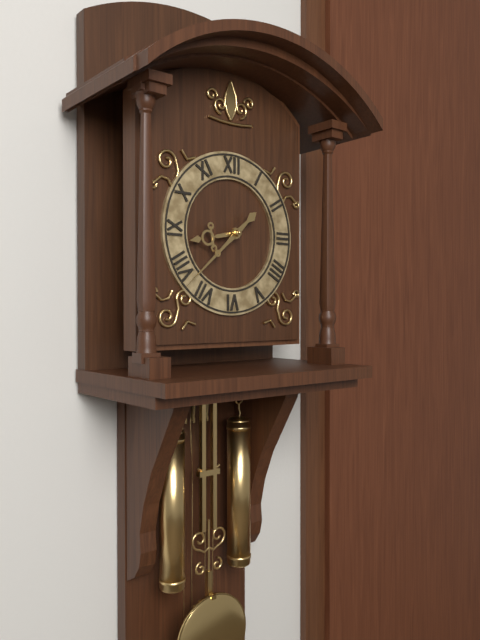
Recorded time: 8:38
